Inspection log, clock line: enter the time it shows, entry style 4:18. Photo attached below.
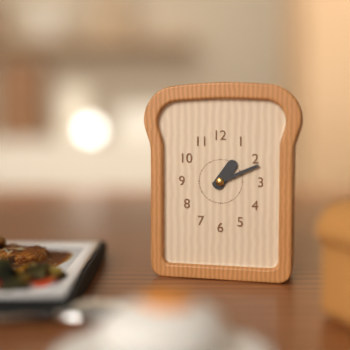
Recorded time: 1:11
